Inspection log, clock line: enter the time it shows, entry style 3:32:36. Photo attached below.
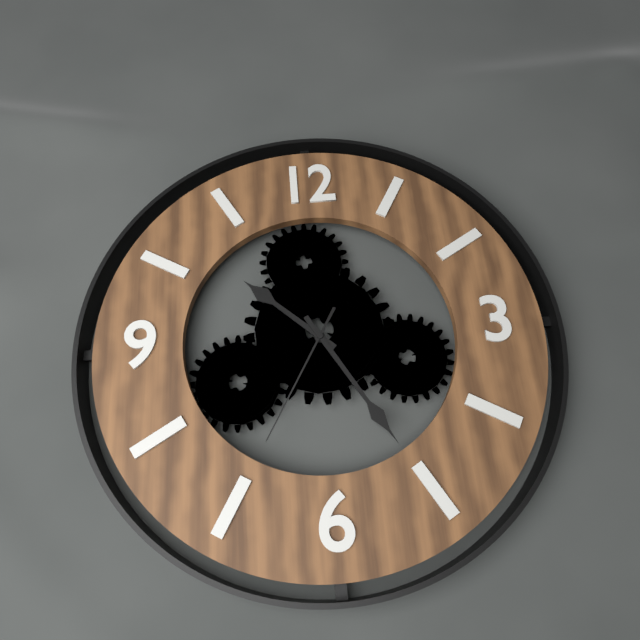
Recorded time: 10:25:35
